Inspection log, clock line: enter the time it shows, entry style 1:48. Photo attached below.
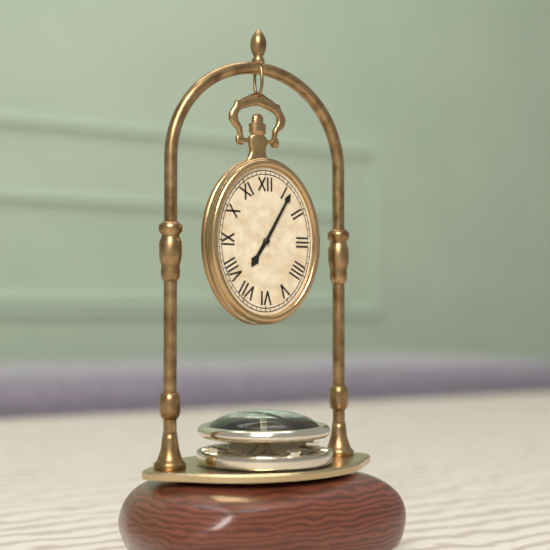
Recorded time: 7:05
